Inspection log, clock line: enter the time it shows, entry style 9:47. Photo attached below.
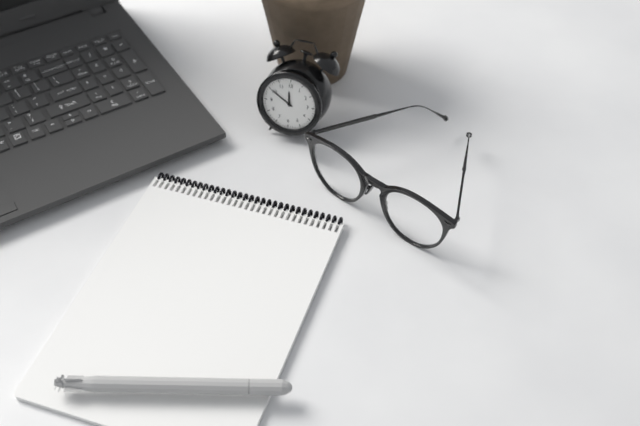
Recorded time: 11:50
